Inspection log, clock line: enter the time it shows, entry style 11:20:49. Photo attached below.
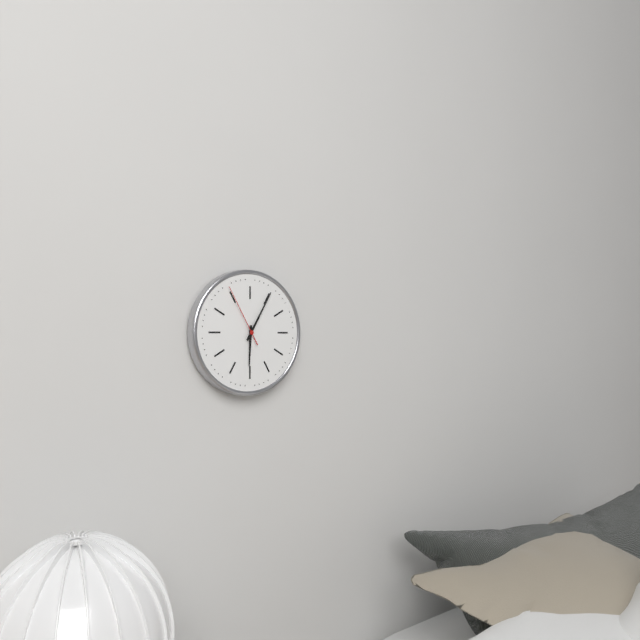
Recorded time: 6:05:55
